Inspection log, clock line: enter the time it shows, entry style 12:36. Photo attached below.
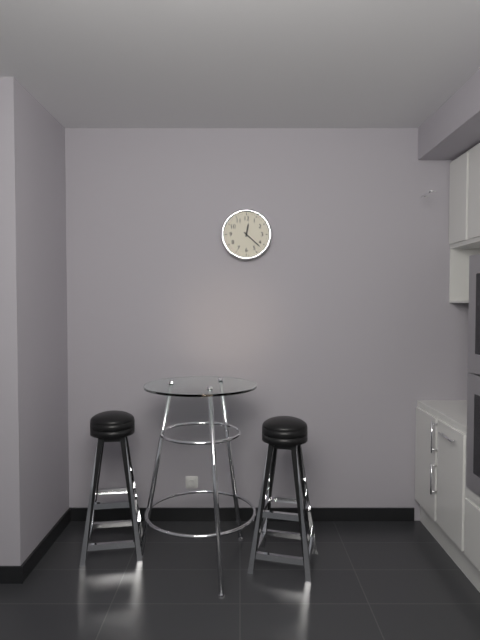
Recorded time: 12:22
